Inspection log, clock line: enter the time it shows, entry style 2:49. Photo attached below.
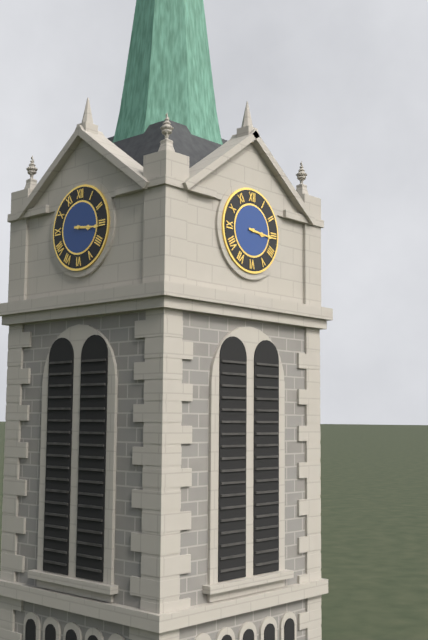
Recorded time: 3:16
